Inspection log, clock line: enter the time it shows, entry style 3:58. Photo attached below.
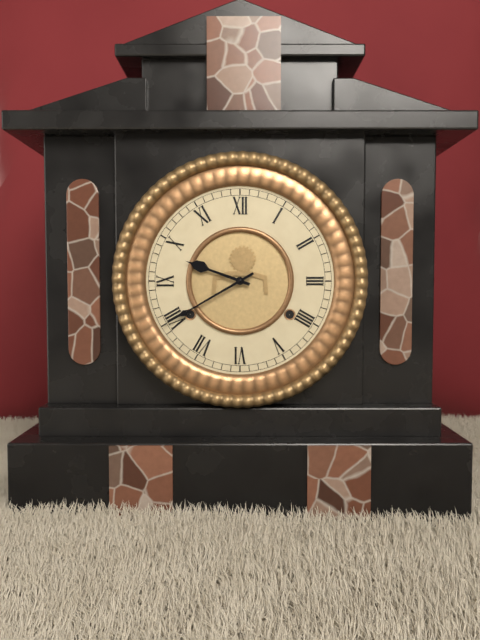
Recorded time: 9:40
